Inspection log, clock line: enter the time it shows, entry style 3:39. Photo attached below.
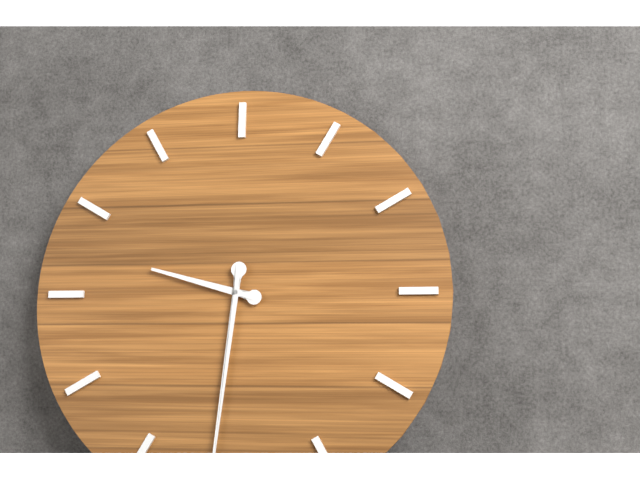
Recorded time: 9:31
